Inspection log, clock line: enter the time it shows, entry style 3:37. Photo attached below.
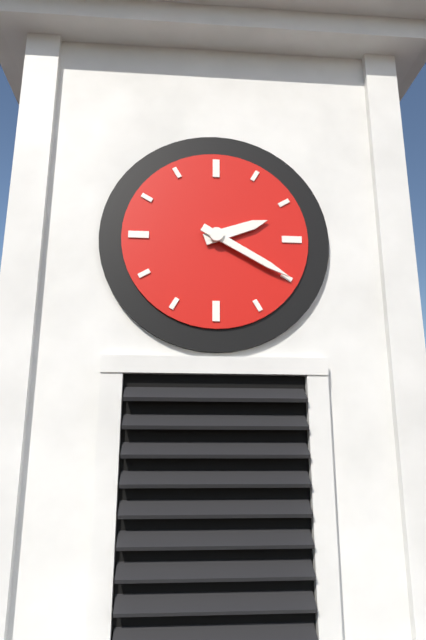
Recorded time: 2:20
